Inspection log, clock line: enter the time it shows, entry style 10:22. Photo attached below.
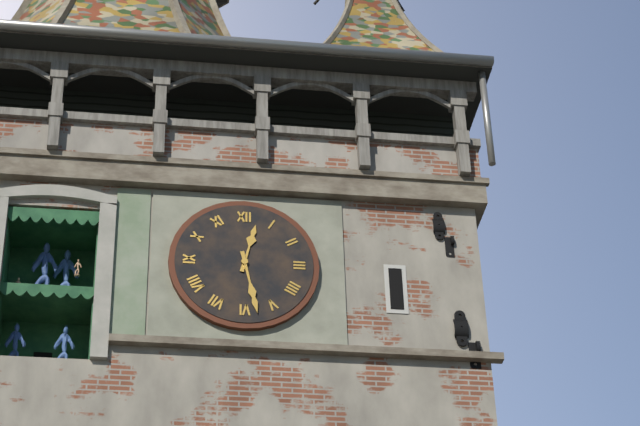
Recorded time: 12:28
